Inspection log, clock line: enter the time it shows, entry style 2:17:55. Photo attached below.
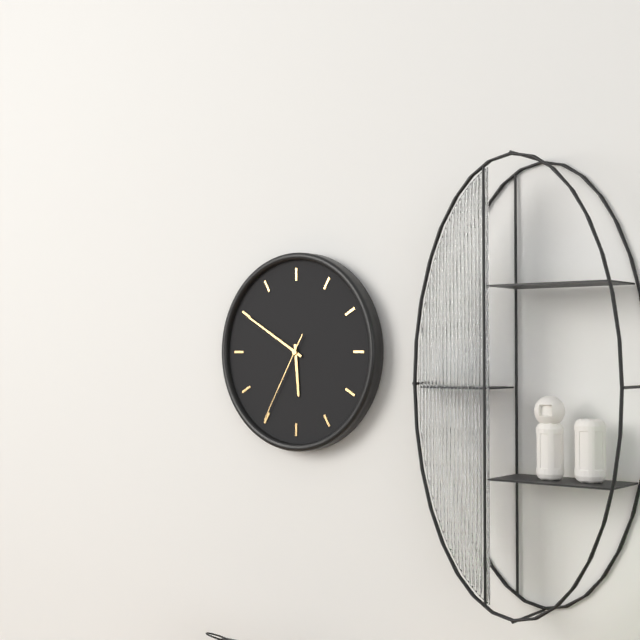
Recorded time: 5:50:35
